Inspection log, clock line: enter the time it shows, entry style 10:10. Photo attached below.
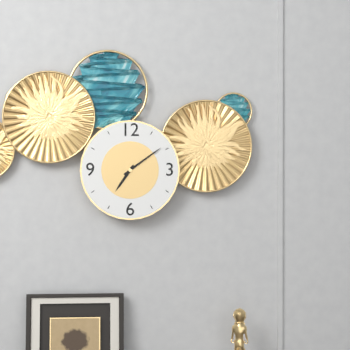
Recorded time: 7:09
